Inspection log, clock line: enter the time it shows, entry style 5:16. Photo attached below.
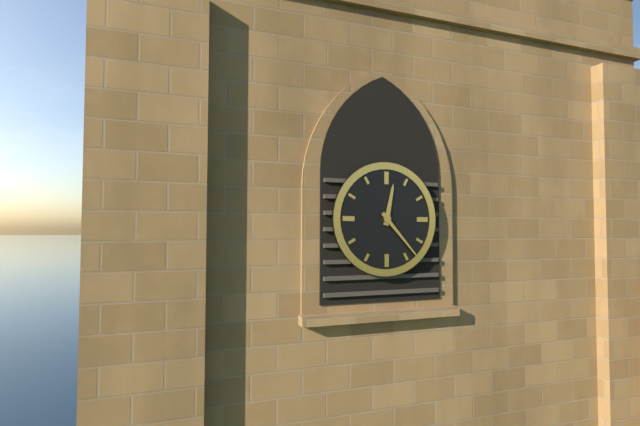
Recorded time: 12:23
